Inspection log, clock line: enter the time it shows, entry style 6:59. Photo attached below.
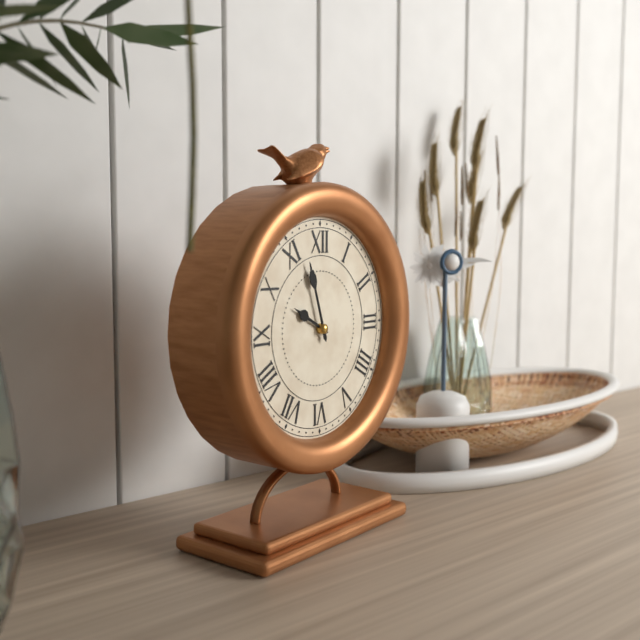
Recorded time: 9:57
